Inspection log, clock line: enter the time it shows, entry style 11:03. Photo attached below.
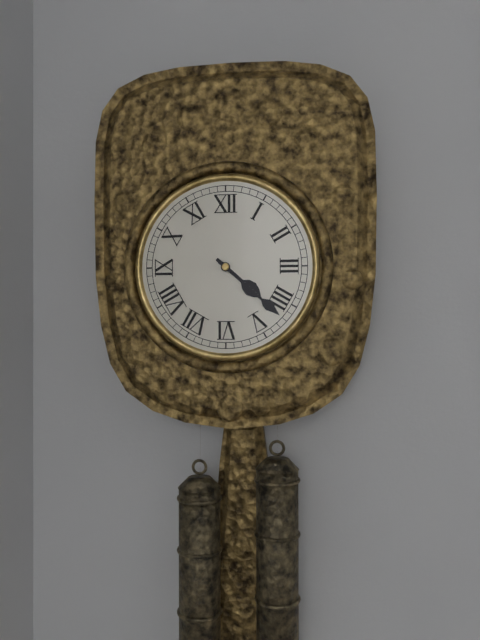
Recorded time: 4:22
